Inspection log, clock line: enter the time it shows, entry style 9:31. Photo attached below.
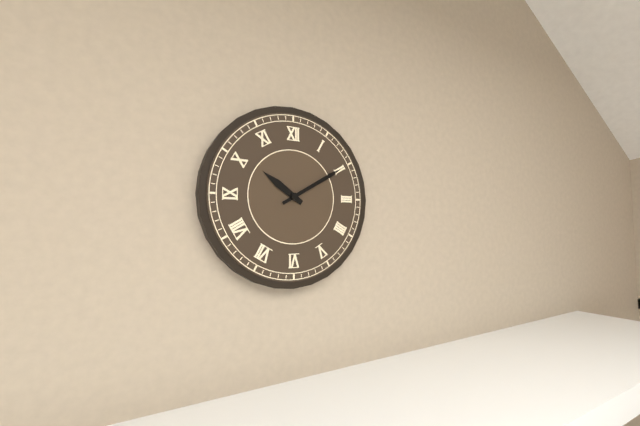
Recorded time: 10:10
